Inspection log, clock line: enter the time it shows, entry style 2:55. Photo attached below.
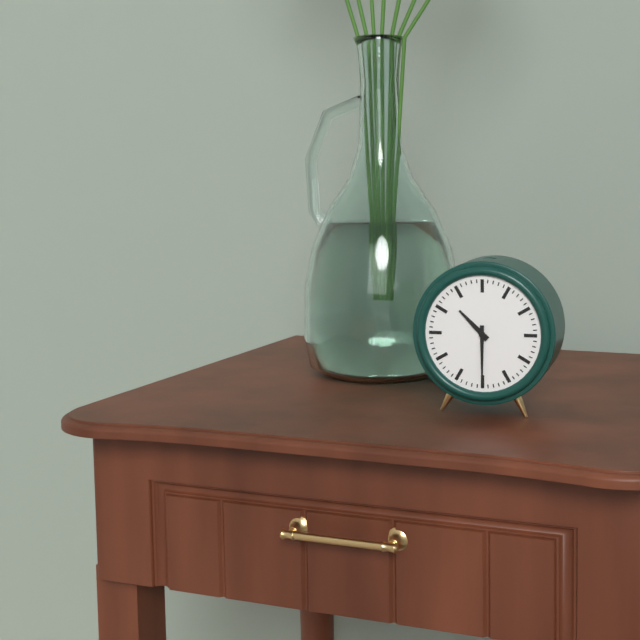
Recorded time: 10:30
